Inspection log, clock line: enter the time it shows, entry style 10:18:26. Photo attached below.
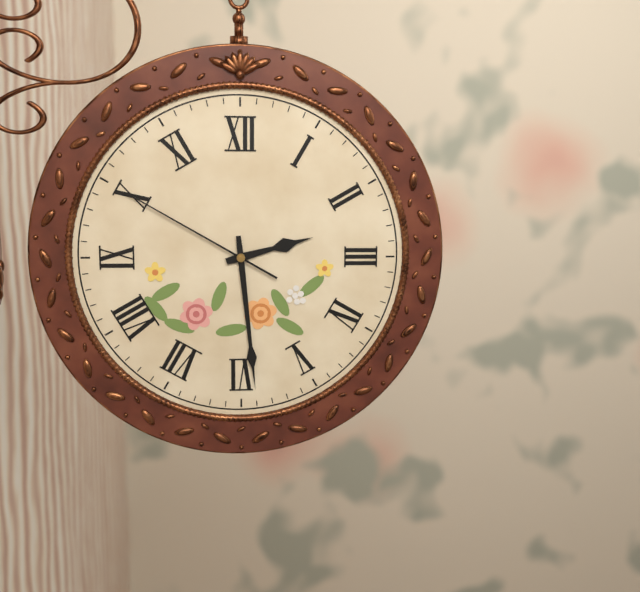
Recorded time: 2:29:50
